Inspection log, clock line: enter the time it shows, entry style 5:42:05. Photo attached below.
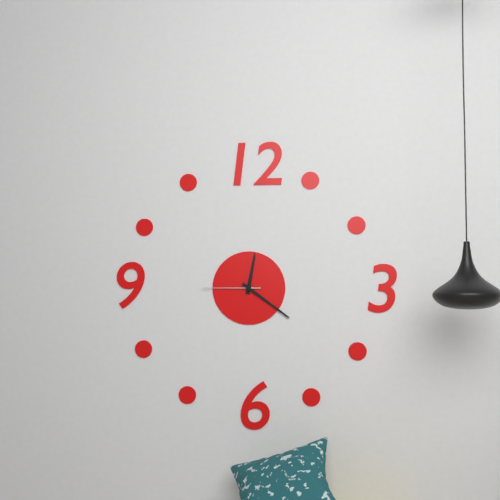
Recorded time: 12:21:45
